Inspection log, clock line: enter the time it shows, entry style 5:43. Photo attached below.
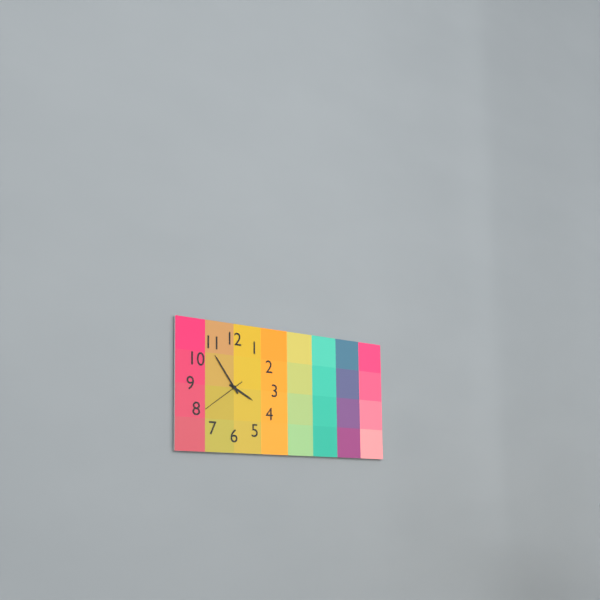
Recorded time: 3:54
